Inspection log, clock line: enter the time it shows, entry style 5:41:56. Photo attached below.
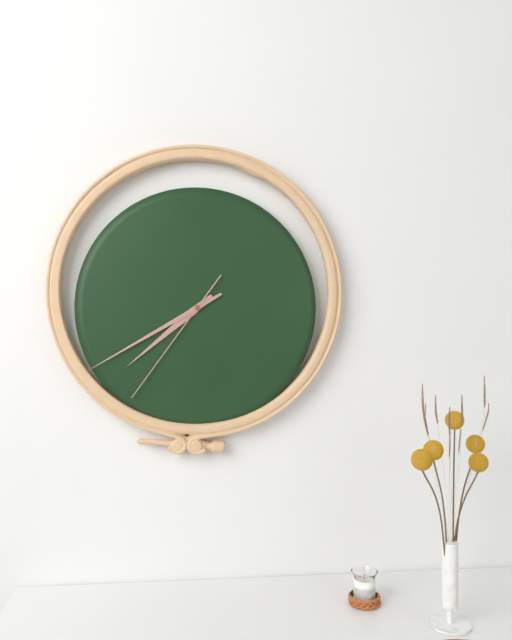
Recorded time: 7:40:36
